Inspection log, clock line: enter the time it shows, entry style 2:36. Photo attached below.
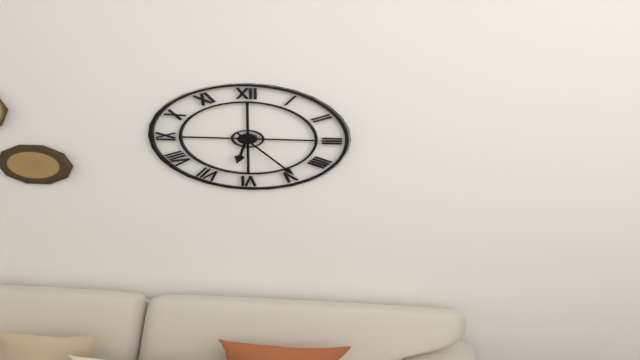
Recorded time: 6:24
